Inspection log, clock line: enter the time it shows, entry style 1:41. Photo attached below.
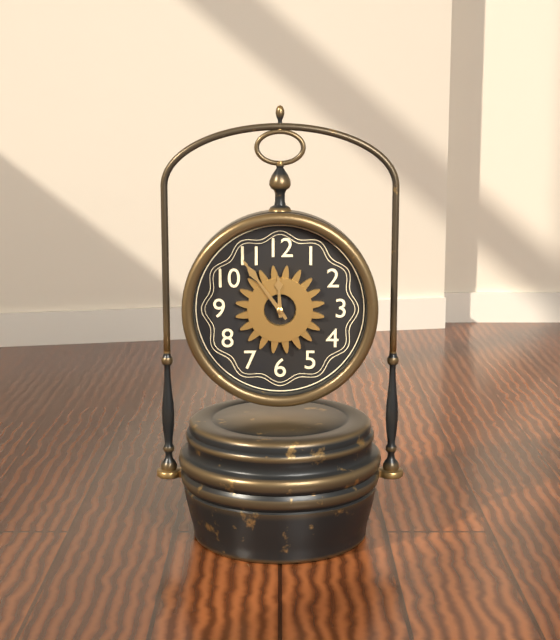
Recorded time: 11:54
